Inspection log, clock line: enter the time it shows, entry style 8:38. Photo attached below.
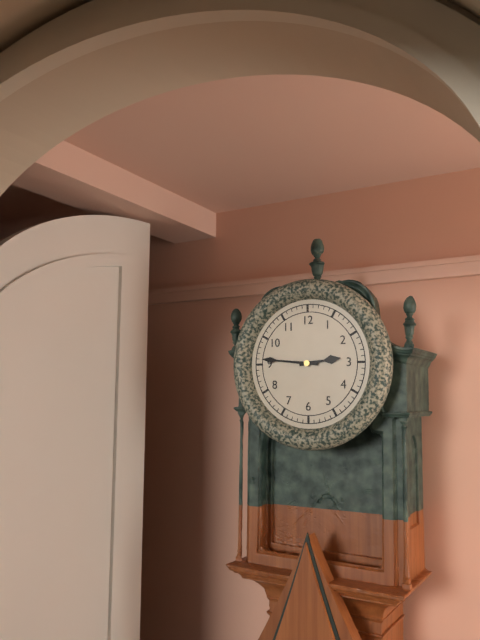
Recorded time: 2:46
